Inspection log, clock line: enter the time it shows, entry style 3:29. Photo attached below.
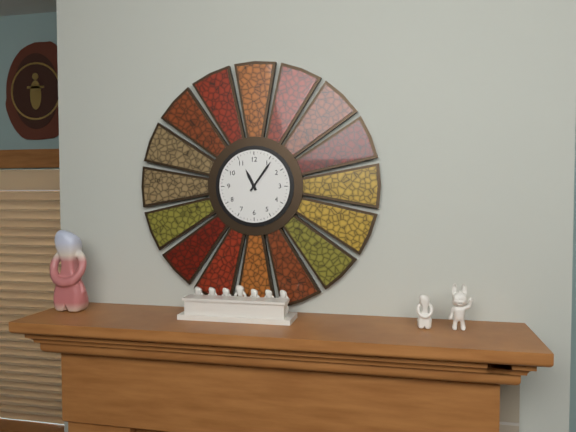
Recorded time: 11:06
